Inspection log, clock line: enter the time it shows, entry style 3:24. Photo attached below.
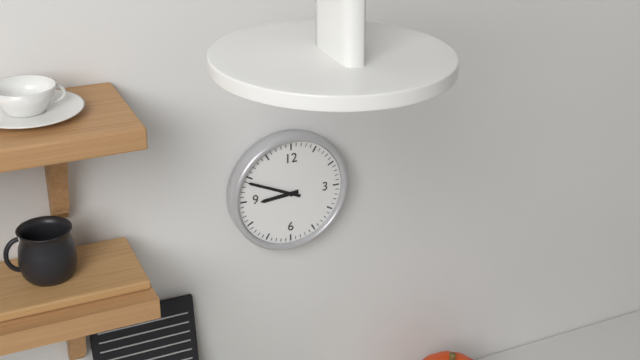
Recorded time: 8:49
